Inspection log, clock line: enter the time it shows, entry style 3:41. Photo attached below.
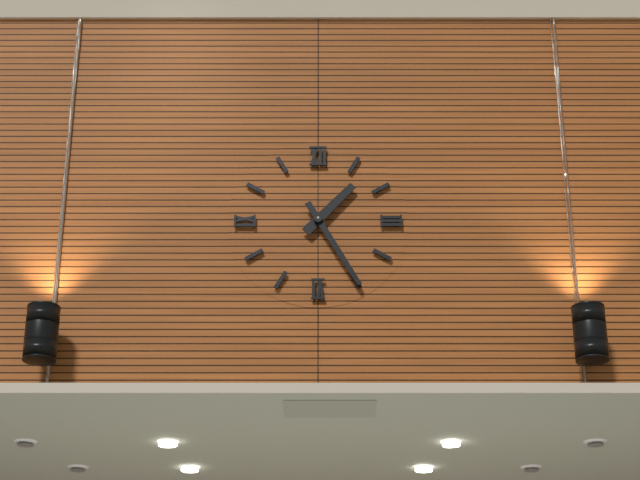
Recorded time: 1:25
